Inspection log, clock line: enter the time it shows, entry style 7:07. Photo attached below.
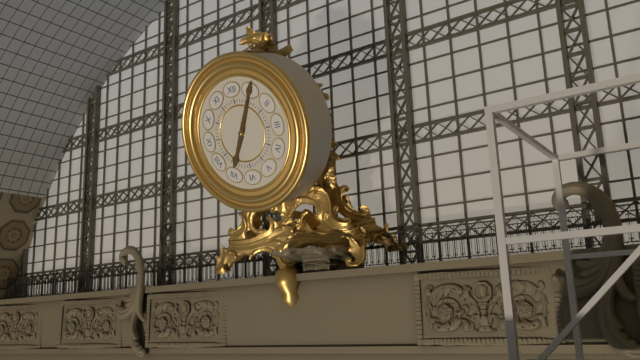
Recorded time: 7:05
